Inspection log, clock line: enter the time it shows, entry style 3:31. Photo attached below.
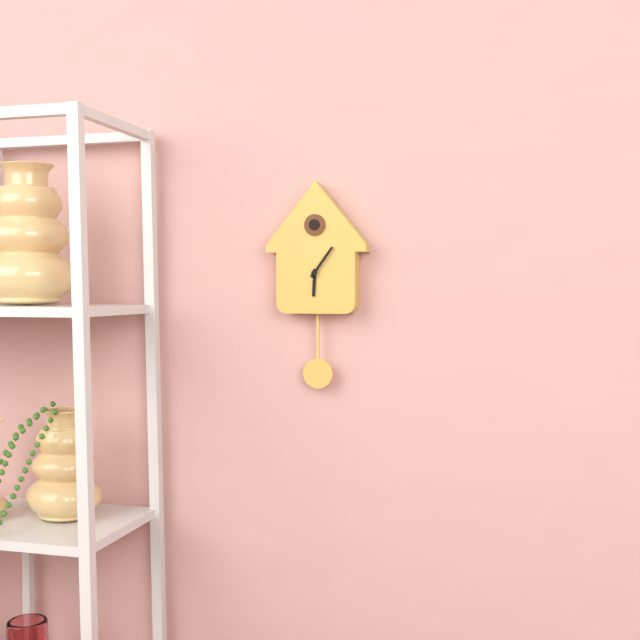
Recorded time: 6:06
